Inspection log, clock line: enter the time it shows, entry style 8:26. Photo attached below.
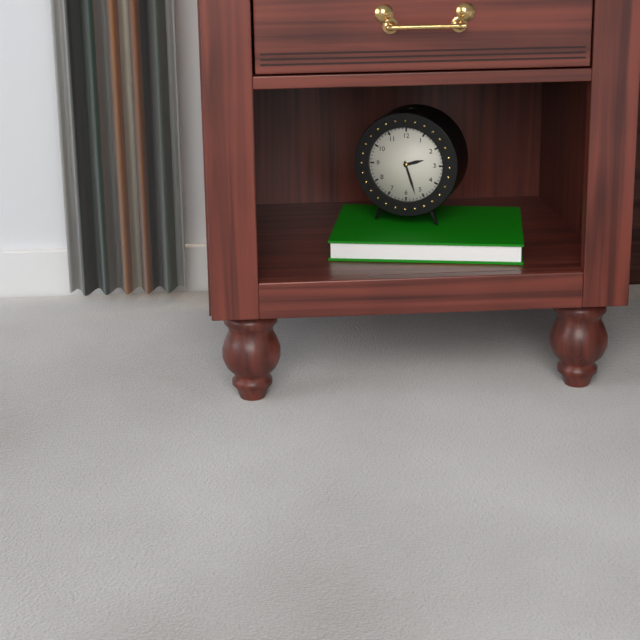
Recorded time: 2:27
